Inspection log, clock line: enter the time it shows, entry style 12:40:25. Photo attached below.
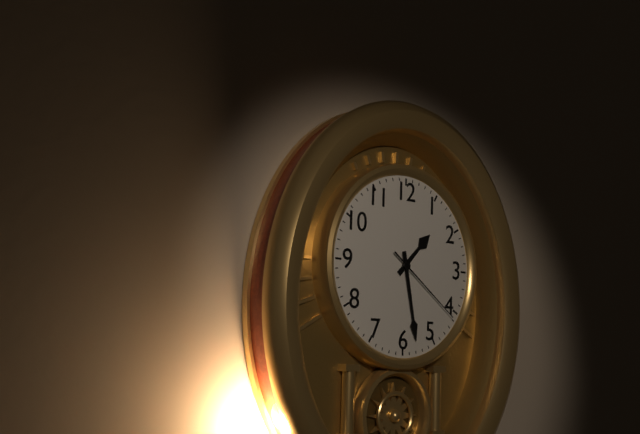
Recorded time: 1:28:21
